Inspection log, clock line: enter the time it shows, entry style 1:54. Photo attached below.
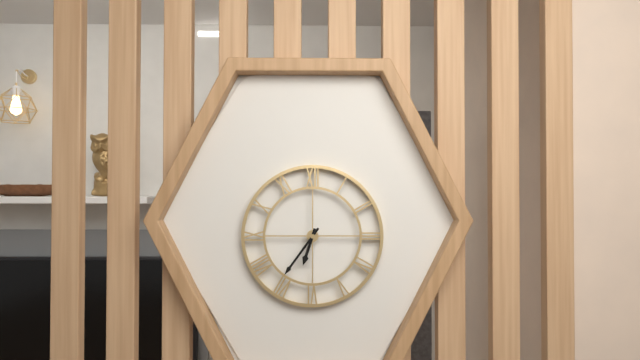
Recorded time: 6:36
